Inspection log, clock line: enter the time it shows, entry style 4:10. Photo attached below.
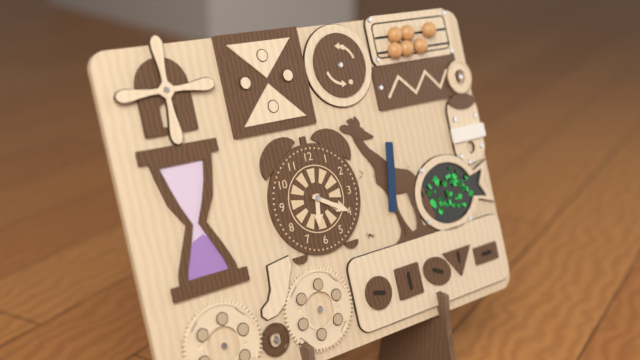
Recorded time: 6:20
